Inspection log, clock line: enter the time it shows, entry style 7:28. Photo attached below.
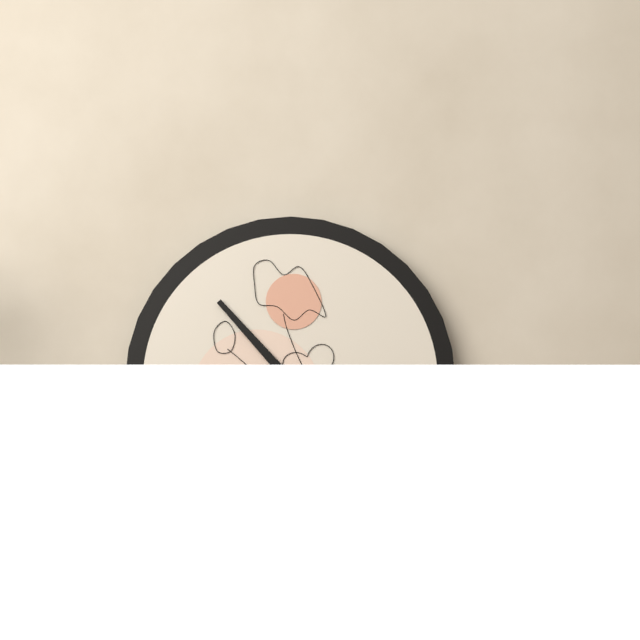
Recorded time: 6:53
